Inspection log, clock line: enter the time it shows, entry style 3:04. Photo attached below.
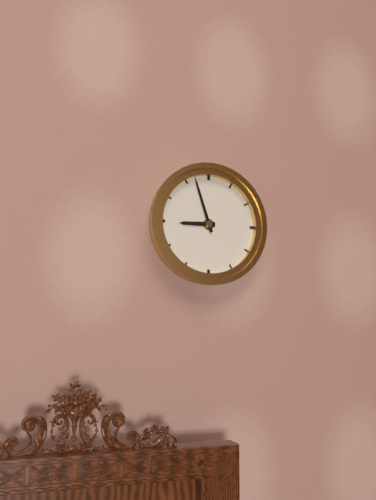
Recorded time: 8:57
